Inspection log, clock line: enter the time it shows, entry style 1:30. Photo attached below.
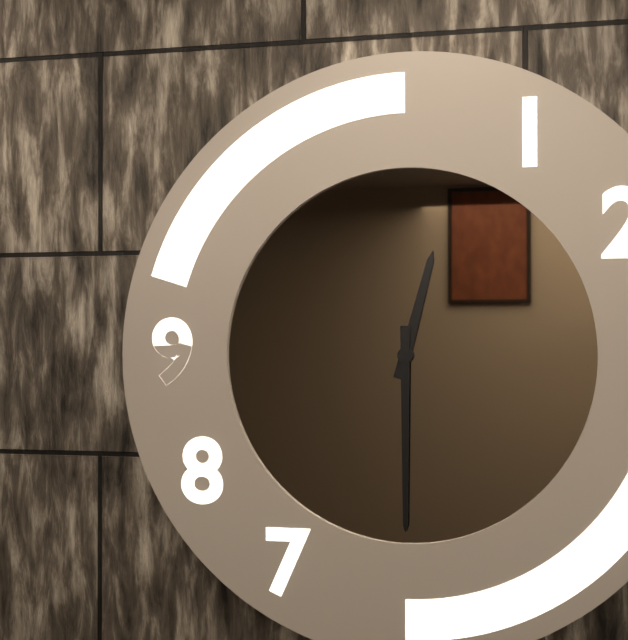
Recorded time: 12:30
